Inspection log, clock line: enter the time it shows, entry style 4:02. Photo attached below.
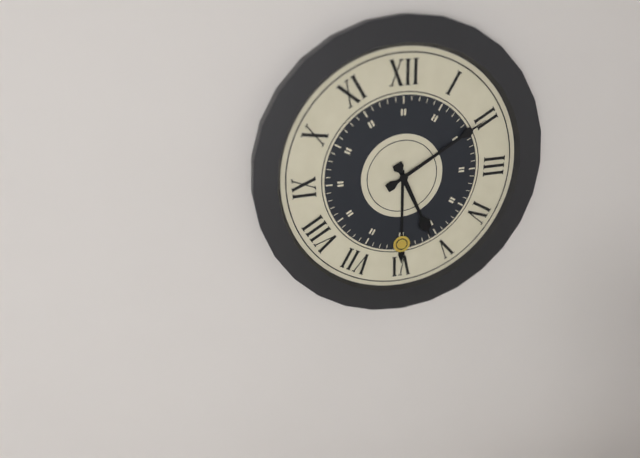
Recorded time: 5:10
